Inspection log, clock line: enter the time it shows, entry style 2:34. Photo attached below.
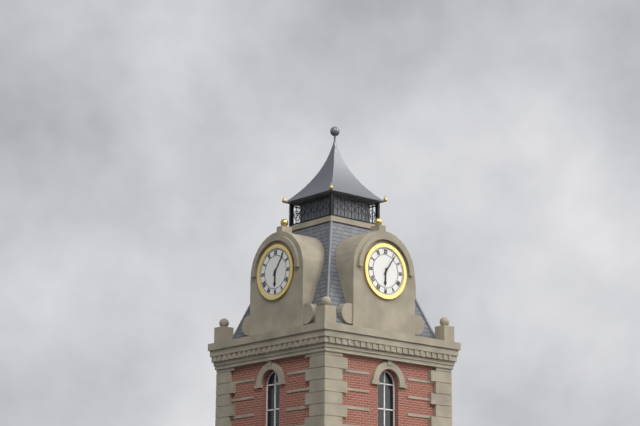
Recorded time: 6:06
